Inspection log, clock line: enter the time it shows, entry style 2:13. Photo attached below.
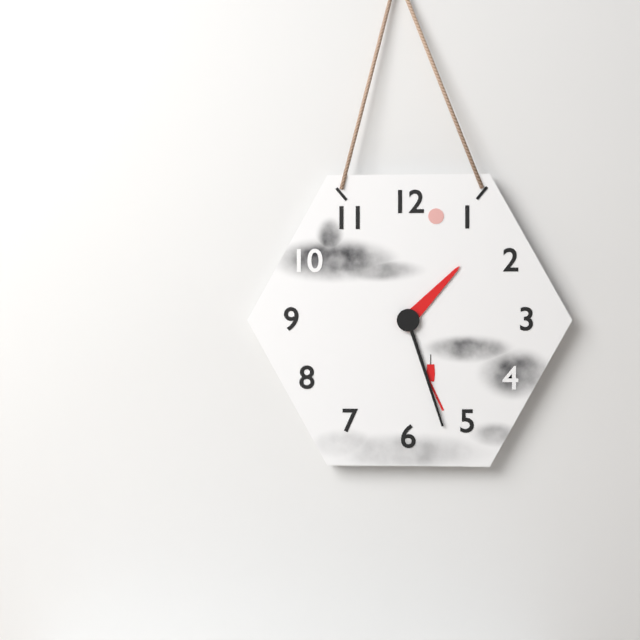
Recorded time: 1:27
